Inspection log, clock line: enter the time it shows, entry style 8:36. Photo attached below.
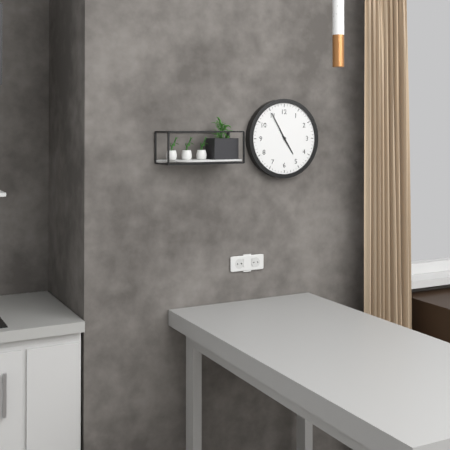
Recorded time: 4:55
